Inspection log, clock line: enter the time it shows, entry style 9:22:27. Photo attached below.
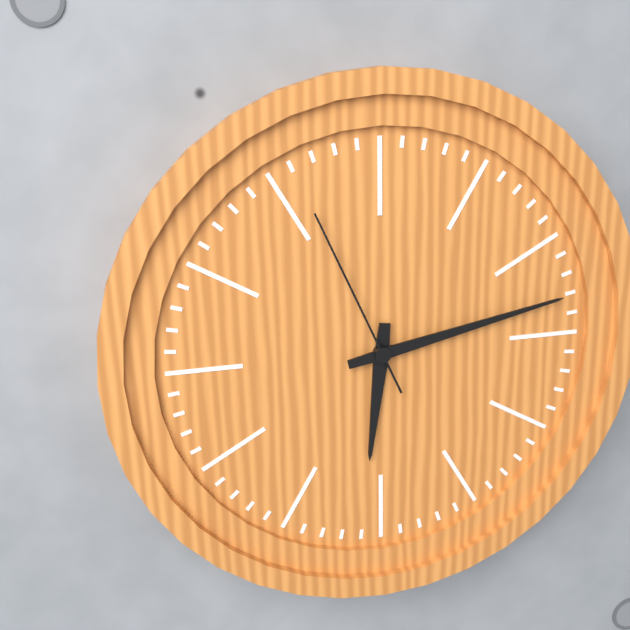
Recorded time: 6:13:56
